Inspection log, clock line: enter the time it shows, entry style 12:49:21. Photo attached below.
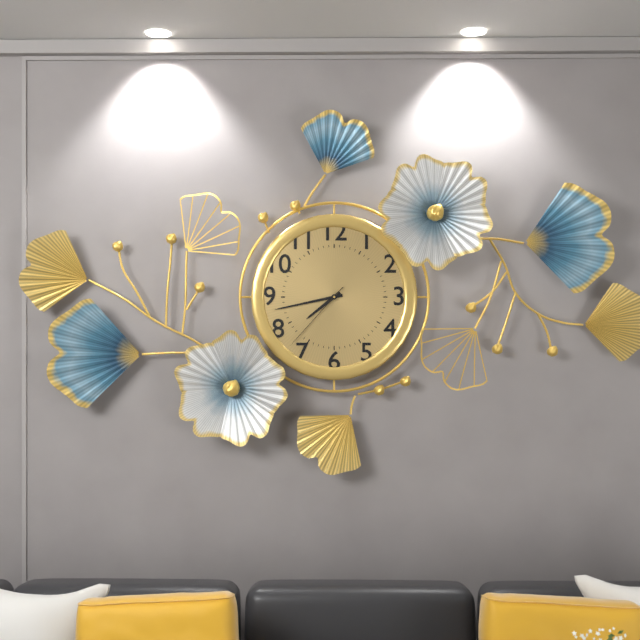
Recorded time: 7:43:37
